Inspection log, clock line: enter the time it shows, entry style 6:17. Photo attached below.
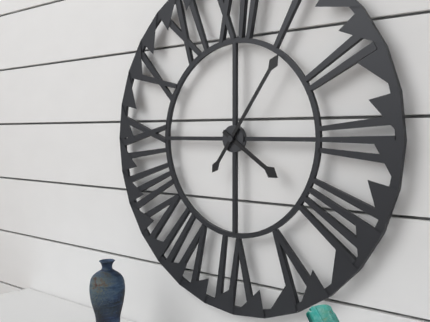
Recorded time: 4:06
